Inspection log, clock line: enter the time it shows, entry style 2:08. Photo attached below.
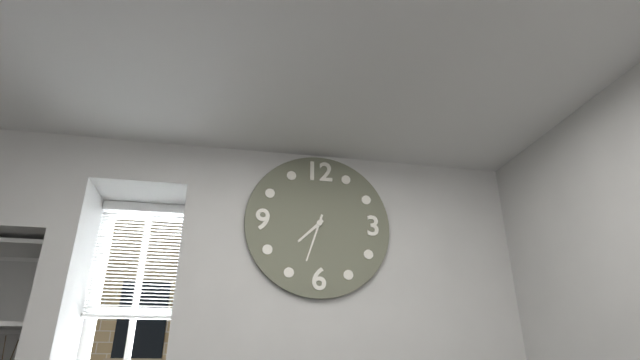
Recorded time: 7:33
